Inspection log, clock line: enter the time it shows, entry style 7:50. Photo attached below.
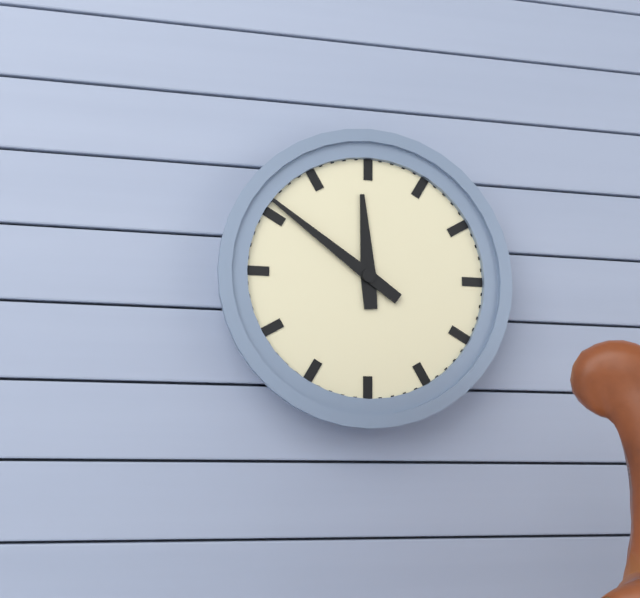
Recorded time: 11:51
